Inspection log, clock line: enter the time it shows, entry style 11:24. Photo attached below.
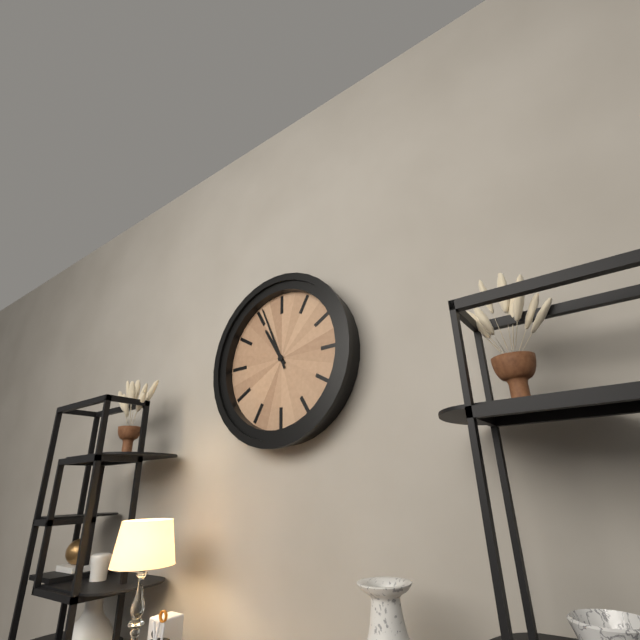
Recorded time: 10:56
